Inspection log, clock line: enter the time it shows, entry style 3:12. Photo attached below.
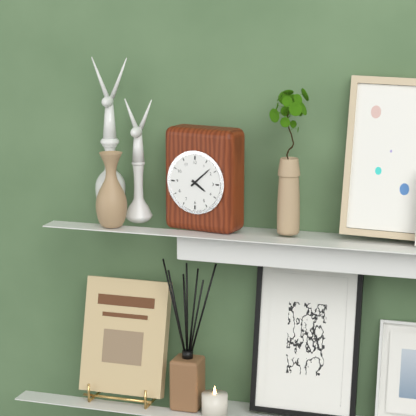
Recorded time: 4:08
